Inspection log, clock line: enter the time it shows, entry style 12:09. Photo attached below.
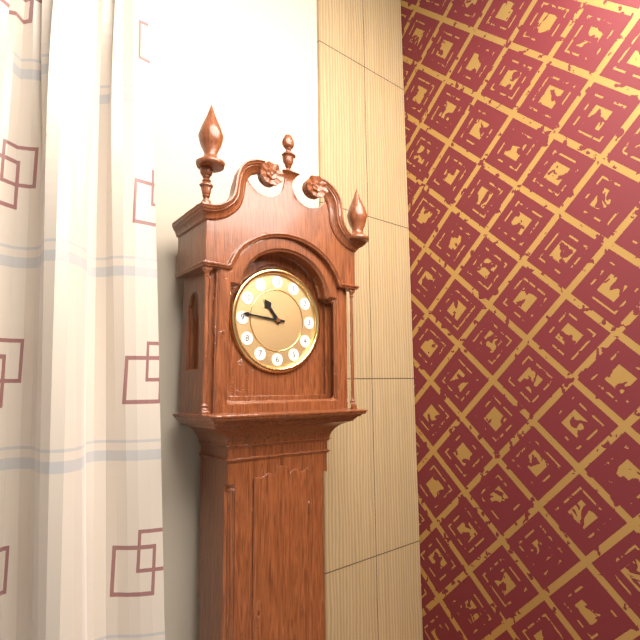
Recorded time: 10:46
